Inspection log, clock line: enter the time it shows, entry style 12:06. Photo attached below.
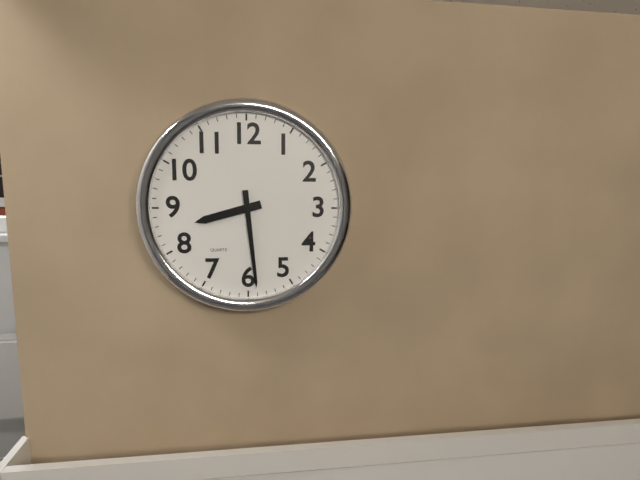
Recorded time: 8:29
